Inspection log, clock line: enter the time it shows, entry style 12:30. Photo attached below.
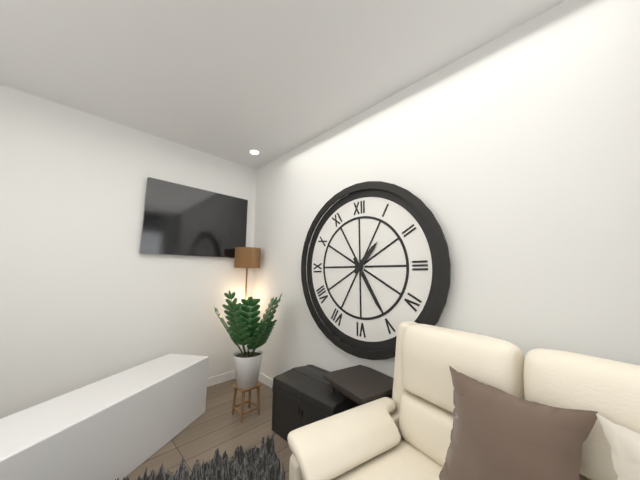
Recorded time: 1:25
